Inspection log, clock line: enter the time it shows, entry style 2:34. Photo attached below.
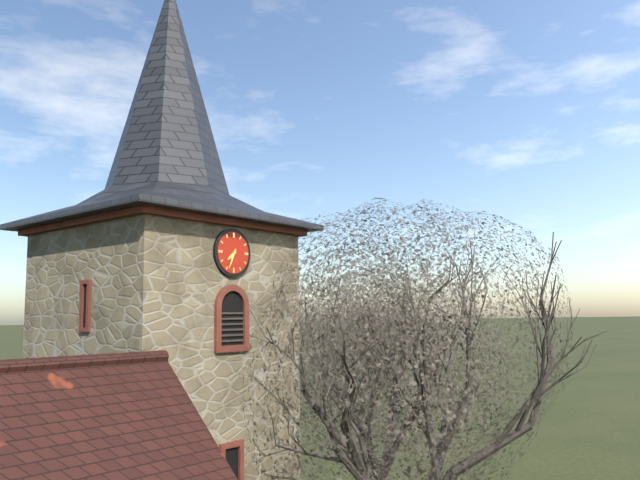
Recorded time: 7:34
